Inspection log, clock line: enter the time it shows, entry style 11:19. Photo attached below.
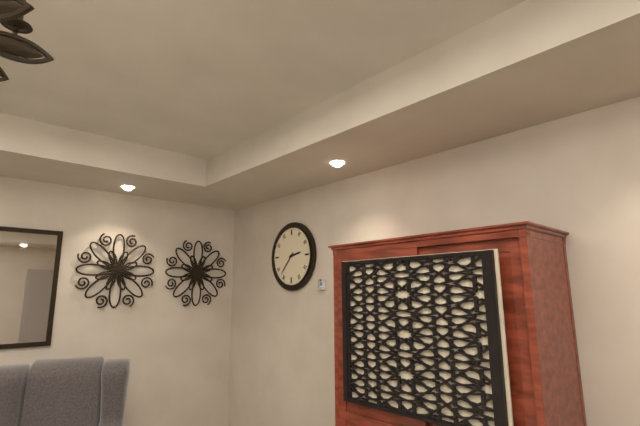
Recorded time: 2:37
